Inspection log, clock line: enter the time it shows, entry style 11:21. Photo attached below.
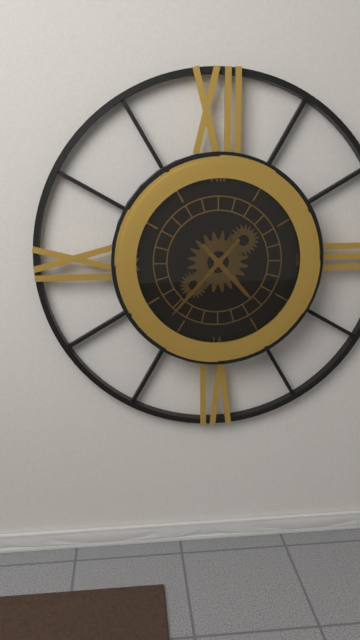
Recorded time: 4:37
